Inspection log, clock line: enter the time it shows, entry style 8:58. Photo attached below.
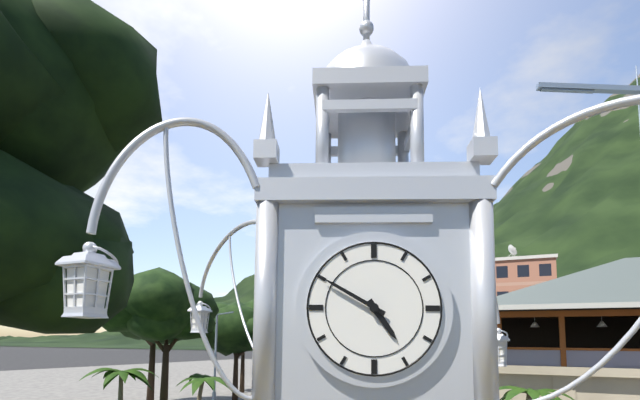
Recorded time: 4:50
